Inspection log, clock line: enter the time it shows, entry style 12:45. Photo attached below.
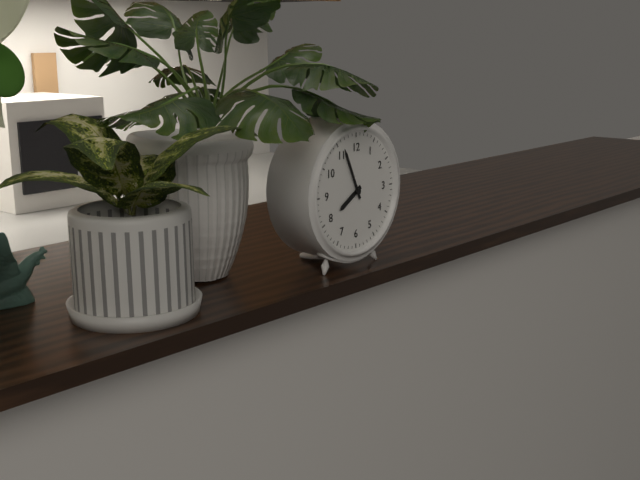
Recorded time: 7:56
